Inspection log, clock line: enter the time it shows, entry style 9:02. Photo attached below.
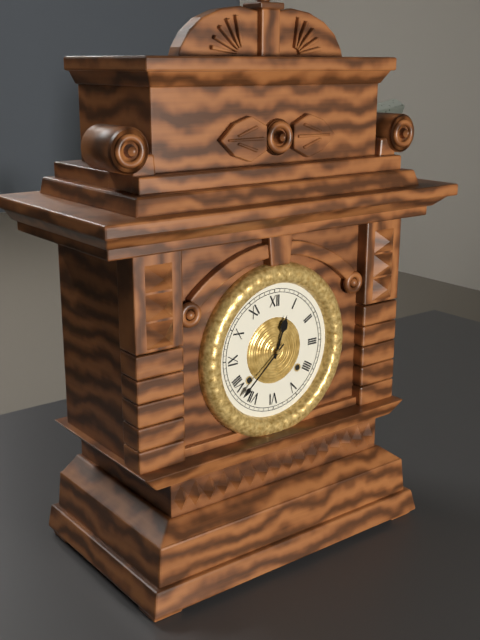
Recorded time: 12:38
